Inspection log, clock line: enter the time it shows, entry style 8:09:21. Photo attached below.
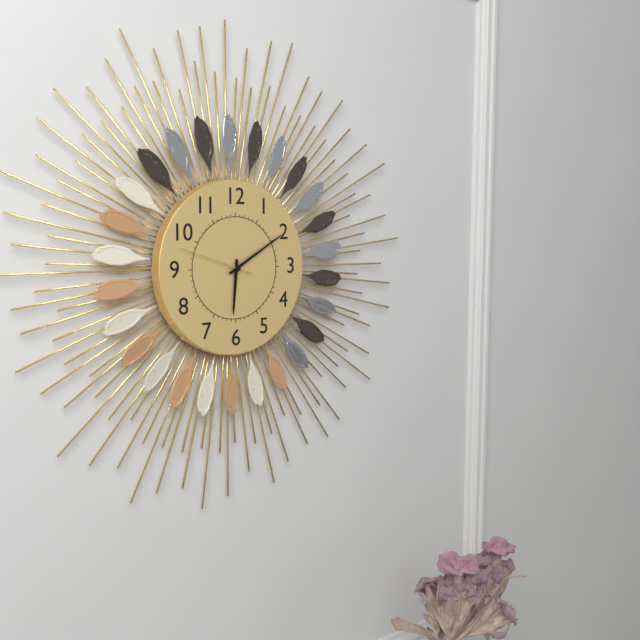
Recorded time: 6:10:48
